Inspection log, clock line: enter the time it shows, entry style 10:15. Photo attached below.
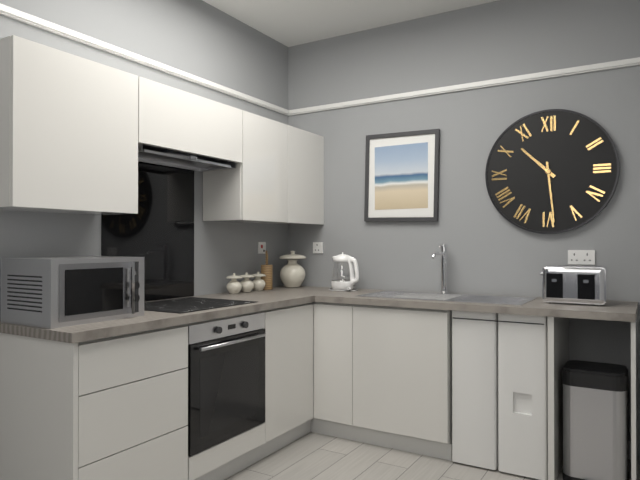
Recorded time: 10:29
